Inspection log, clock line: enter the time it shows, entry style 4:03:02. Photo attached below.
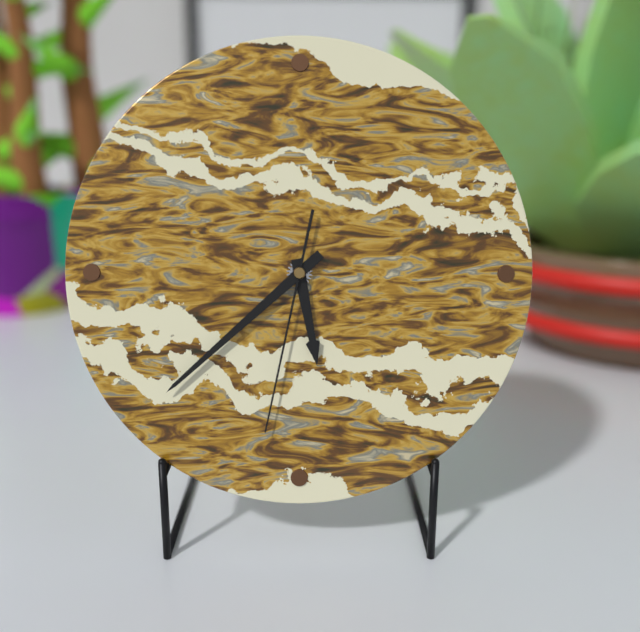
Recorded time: 5:38:32
